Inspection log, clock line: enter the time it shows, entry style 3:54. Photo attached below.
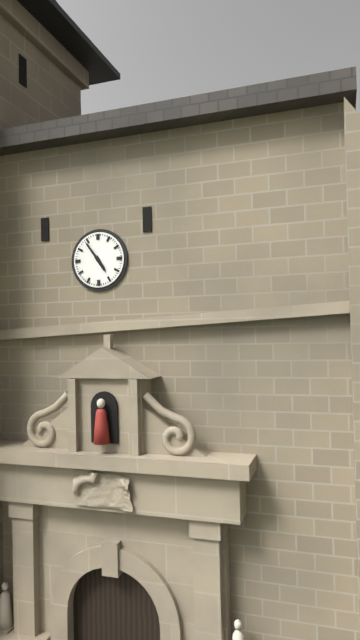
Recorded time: 4:54
